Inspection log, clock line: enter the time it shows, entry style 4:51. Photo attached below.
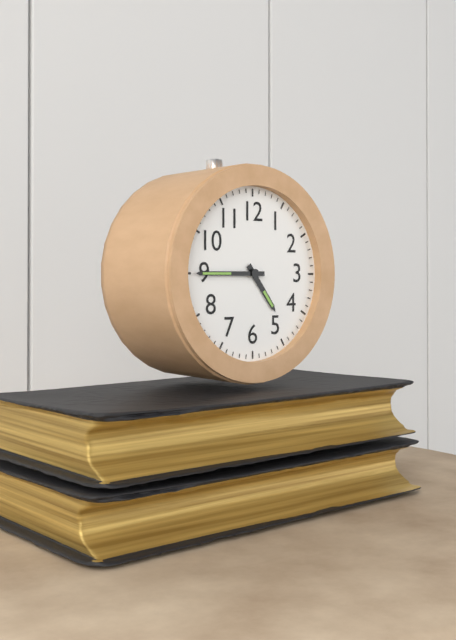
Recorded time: 4:45
